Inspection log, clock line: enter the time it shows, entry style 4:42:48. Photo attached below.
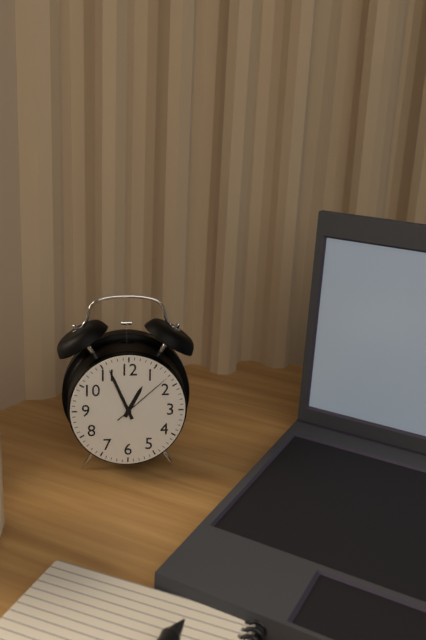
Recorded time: 12:56:08
